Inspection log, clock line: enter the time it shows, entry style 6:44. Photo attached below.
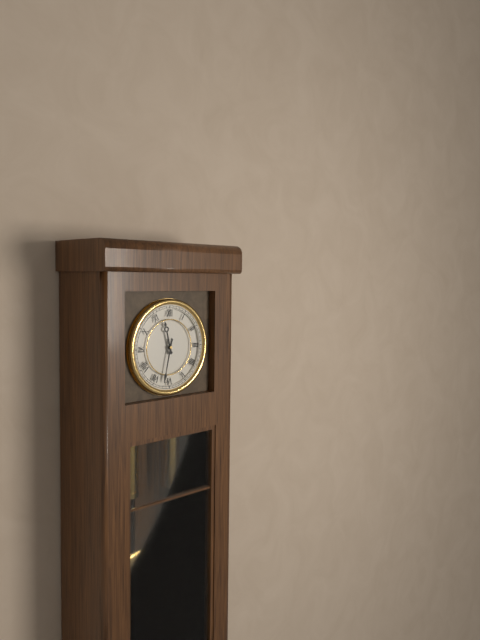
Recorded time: 11:32
